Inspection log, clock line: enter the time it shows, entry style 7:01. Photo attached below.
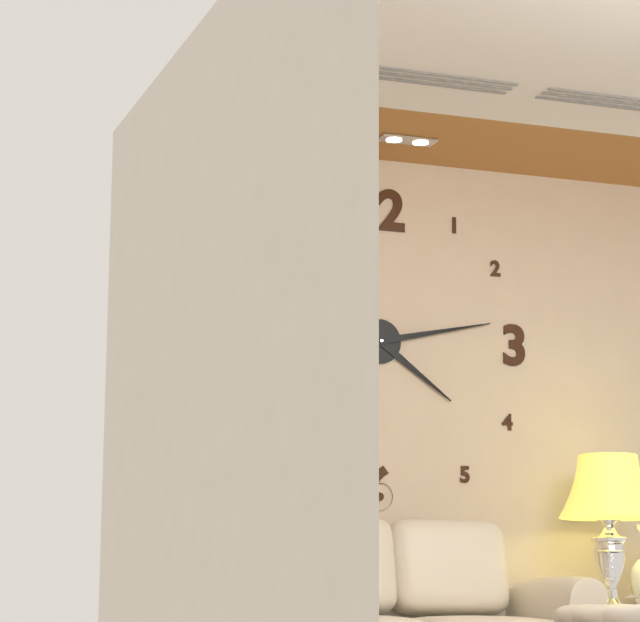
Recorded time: 4:13
